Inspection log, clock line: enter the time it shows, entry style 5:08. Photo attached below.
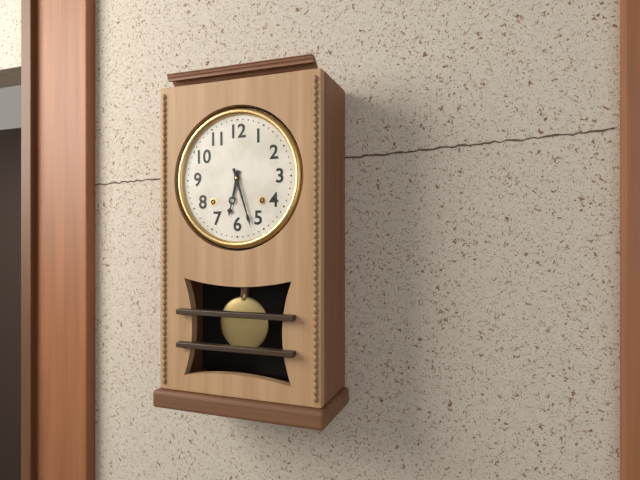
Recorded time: 6:27
